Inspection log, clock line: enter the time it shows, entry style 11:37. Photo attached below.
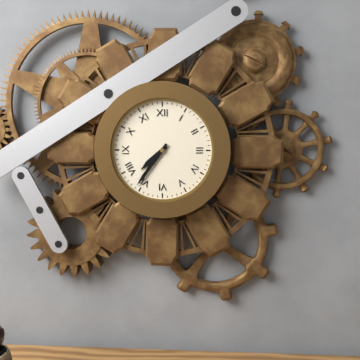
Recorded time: 7:36
